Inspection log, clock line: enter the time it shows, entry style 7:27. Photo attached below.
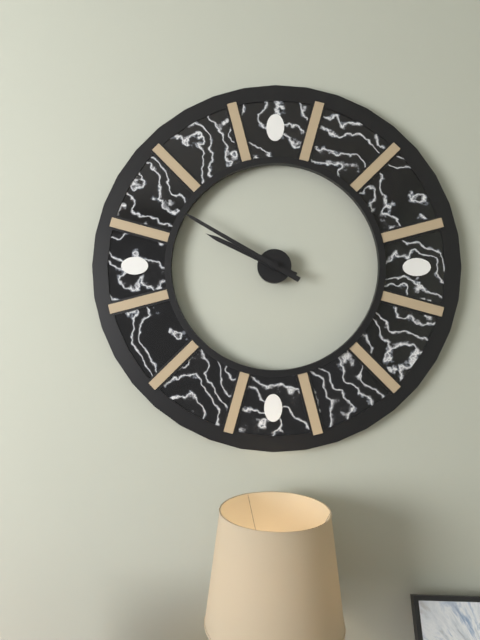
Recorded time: 9:50
